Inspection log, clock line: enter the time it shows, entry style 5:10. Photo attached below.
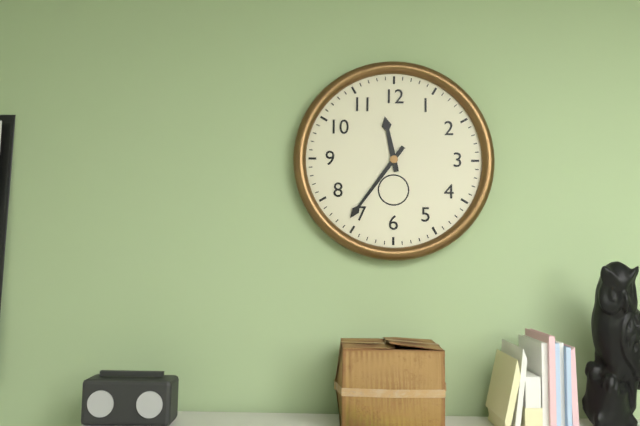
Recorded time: 11:36
